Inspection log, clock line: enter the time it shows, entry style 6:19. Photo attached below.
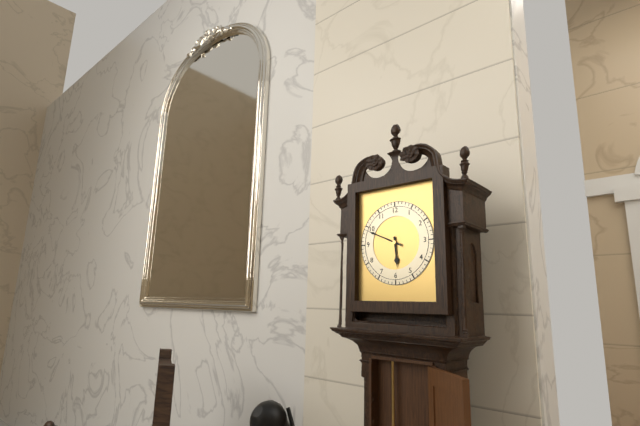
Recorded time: 5:49
